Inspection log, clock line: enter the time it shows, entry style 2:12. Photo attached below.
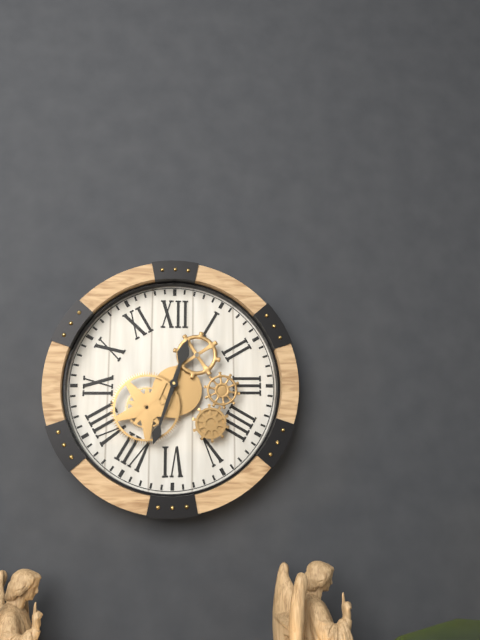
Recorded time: 12:33
